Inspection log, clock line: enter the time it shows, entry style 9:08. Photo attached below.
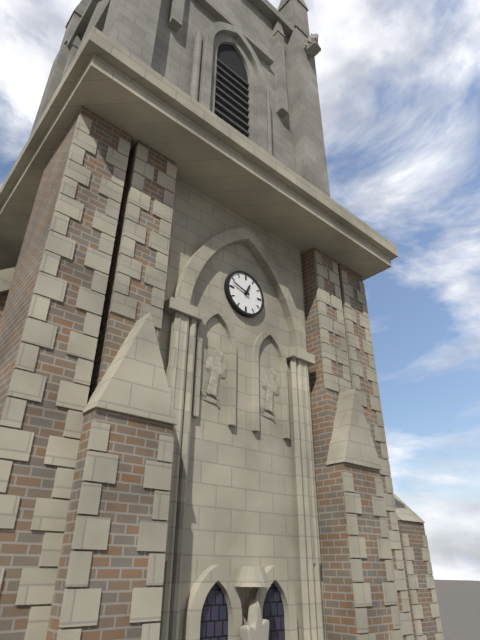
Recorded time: 12:48
